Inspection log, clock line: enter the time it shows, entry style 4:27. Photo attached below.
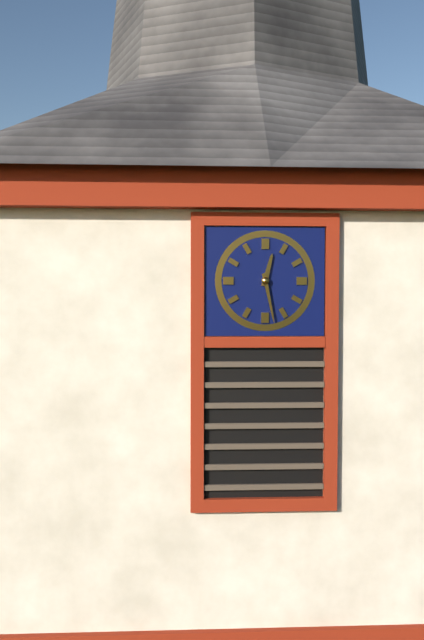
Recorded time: 12:28
